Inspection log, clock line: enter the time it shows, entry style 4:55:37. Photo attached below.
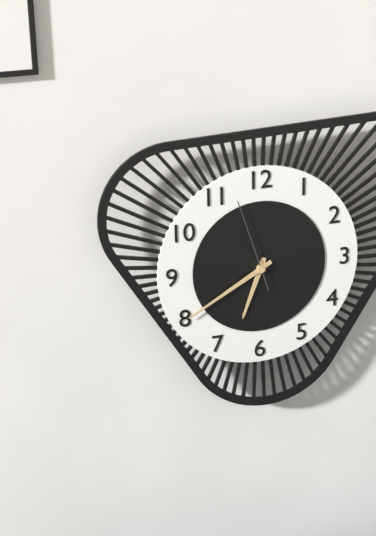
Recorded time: 6:40:57
